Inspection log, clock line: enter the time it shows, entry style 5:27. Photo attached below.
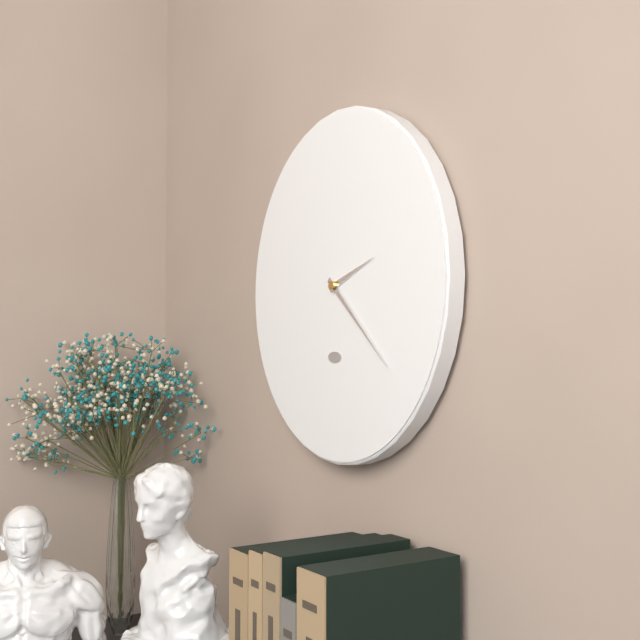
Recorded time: 2:22
